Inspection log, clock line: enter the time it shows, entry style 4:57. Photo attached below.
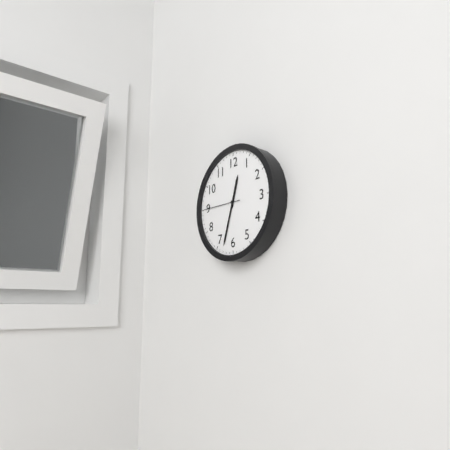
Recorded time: 12:33
